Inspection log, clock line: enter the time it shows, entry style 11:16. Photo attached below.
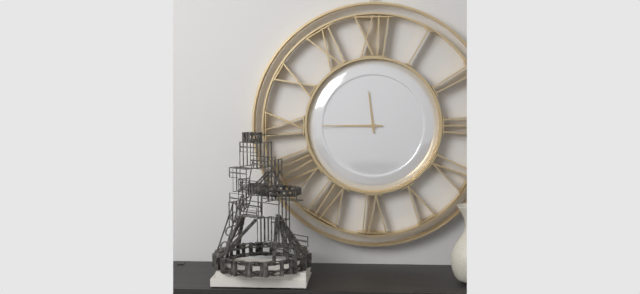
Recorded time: 11:45
